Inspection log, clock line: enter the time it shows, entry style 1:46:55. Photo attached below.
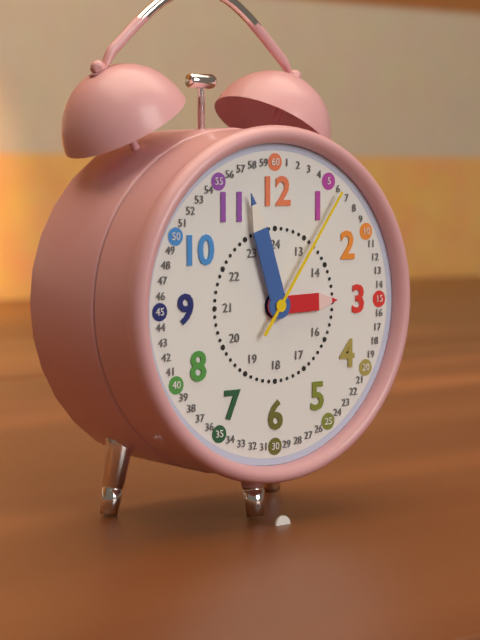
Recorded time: 2:57:06
